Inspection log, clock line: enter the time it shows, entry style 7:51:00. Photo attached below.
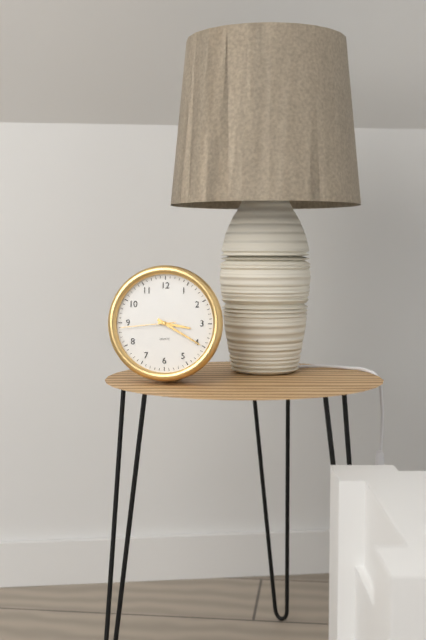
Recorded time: 3:20:44
